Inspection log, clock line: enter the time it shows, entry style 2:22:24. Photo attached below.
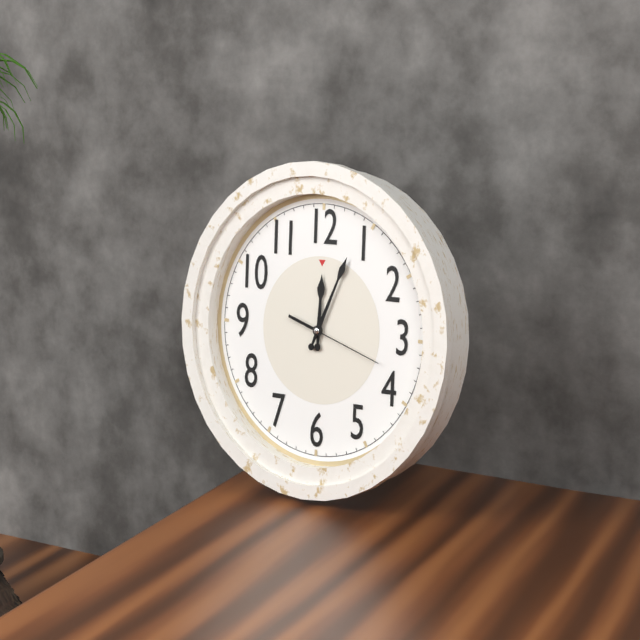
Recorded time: 12:04:18
